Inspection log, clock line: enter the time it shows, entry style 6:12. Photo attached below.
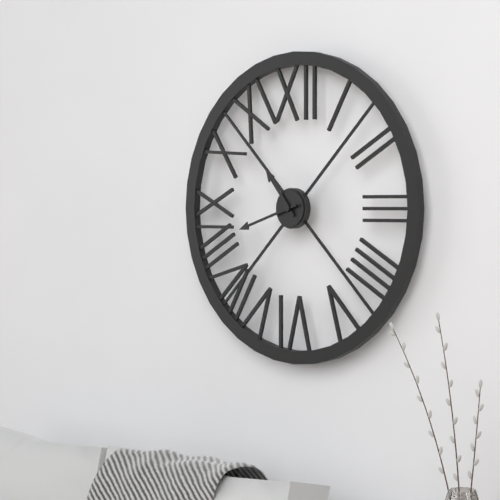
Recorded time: 10:42
